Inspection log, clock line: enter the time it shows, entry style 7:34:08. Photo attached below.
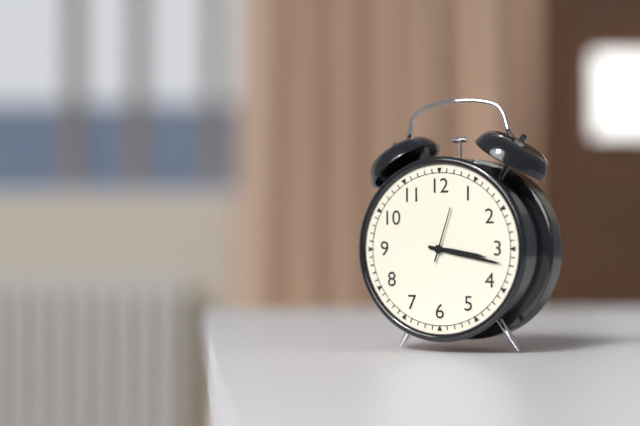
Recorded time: 3:17:03
